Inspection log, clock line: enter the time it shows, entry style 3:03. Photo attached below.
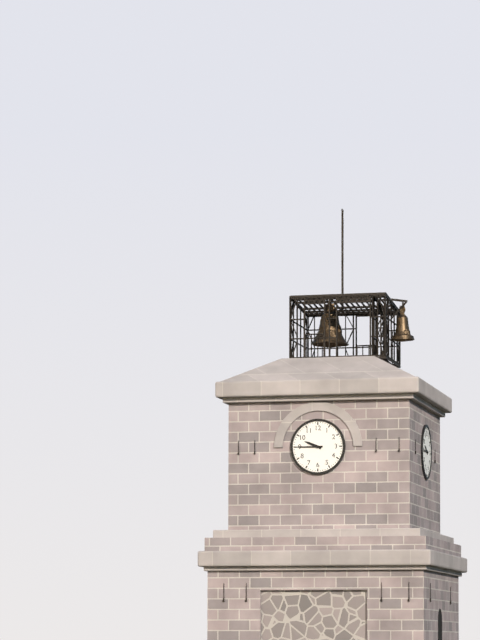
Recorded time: 9:45
